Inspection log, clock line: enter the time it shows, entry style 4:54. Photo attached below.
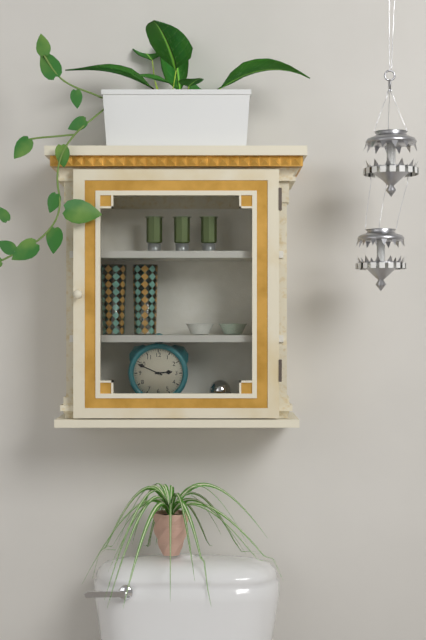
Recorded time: 2:49
